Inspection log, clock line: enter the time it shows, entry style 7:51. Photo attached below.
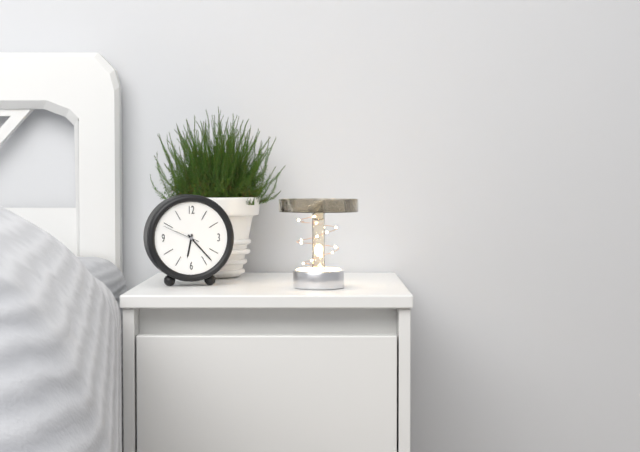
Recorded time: 6:23
